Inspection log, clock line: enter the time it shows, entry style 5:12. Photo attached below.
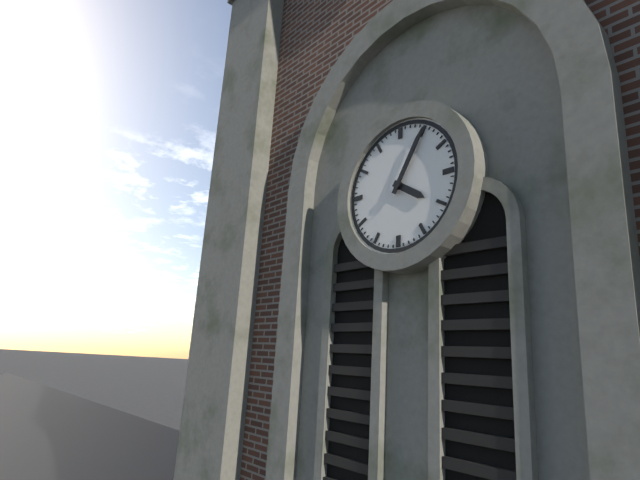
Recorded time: 4:05
